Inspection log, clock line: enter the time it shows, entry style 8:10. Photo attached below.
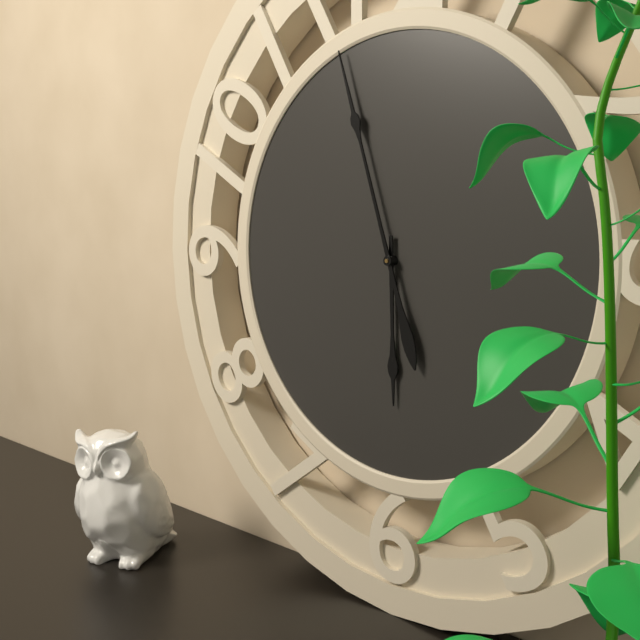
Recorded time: 5:57
